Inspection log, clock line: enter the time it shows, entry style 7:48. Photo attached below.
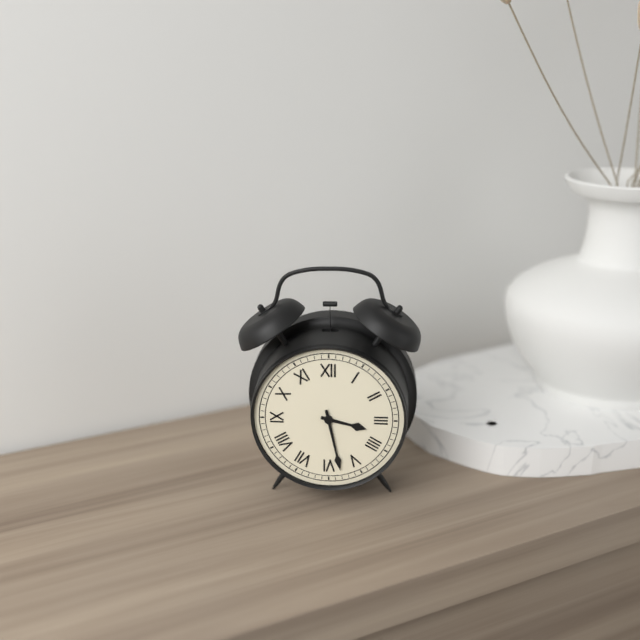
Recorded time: 3:28
